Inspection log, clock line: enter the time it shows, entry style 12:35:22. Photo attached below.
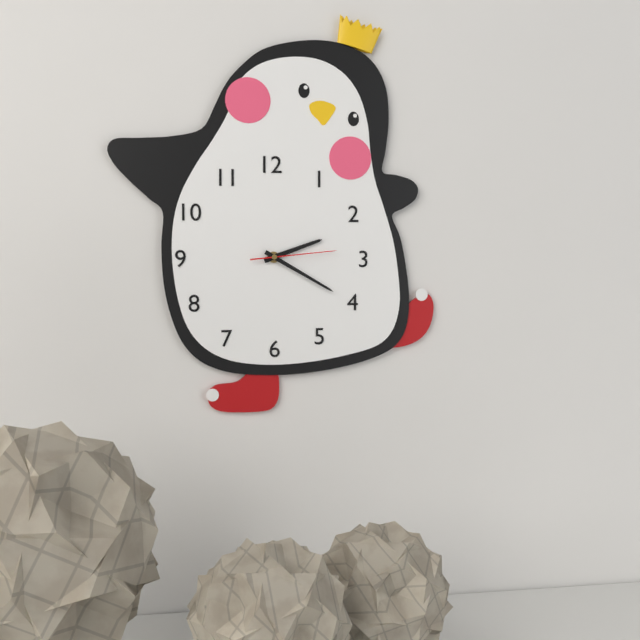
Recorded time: 2:20:14
